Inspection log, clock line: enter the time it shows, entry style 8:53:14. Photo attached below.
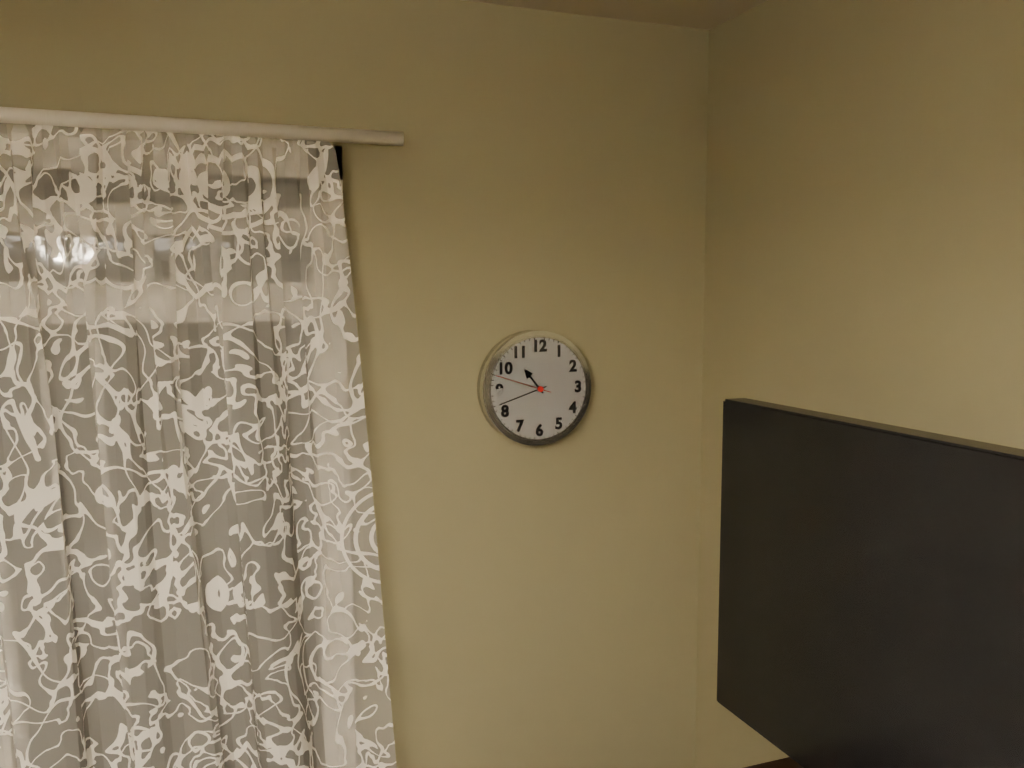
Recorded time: 10:42:48
